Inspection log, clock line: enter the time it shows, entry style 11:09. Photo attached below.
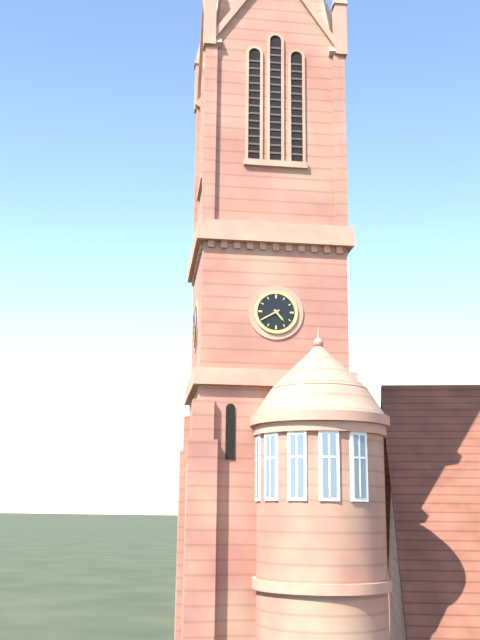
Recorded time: 4:40
